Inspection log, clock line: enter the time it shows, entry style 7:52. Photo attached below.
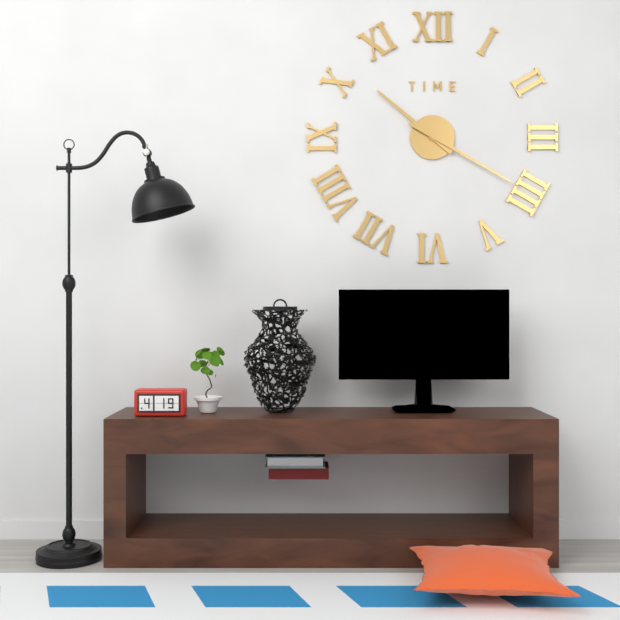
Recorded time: 10:20
